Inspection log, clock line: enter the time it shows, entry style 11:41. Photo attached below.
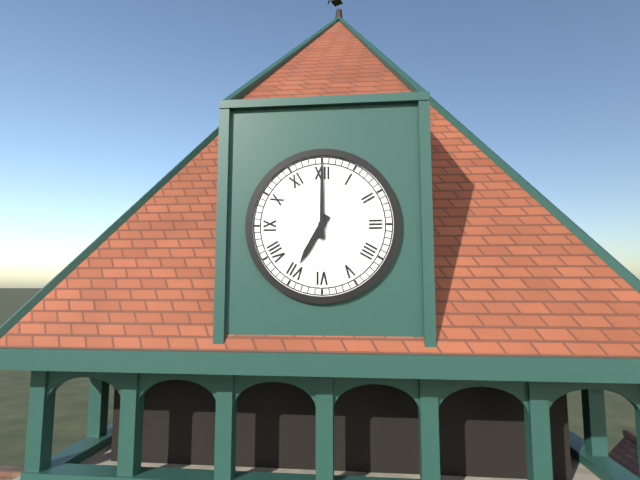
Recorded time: 7:00
